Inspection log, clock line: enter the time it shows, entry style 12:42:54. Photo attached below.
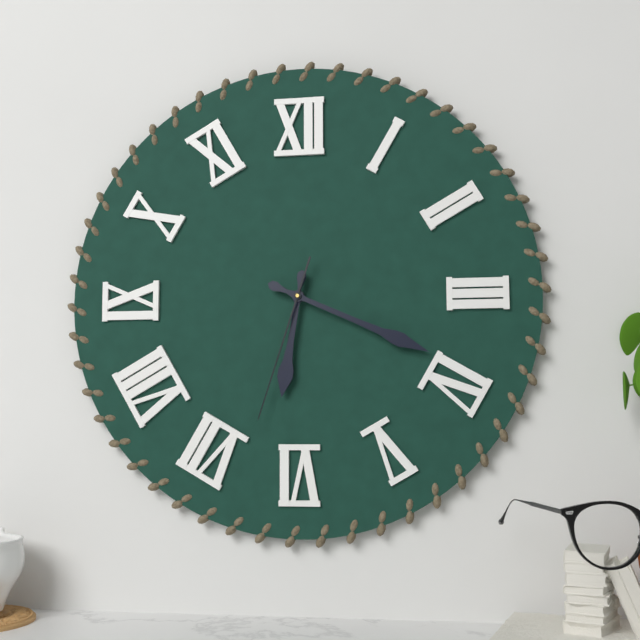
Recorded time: 6:19:33
